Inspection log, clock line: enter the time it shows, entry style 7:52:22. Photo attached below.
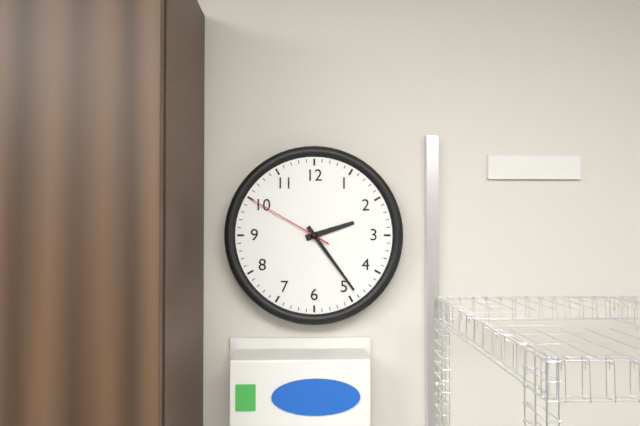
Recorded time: 2:24:50
